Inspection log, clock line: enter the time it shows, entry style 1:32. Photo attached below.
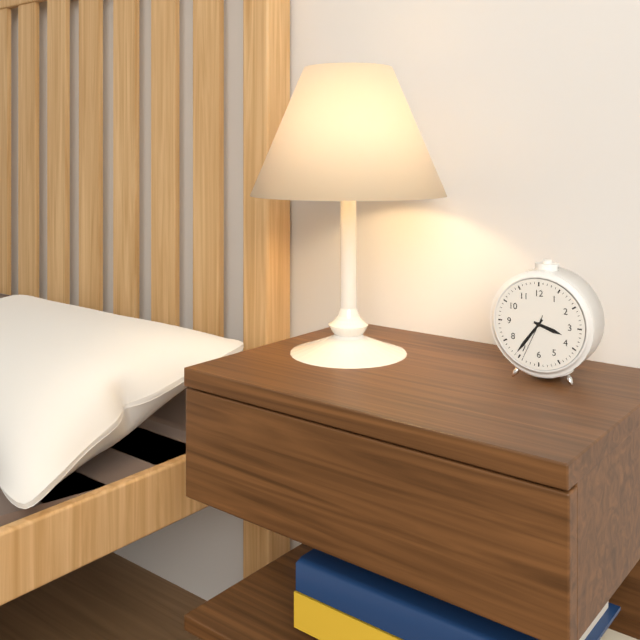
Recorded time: 3:36
